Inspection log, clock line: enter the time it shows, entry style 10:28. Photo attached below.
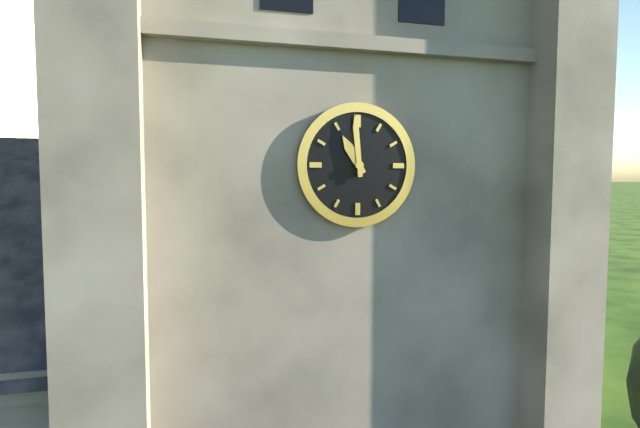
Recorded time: 10:59
